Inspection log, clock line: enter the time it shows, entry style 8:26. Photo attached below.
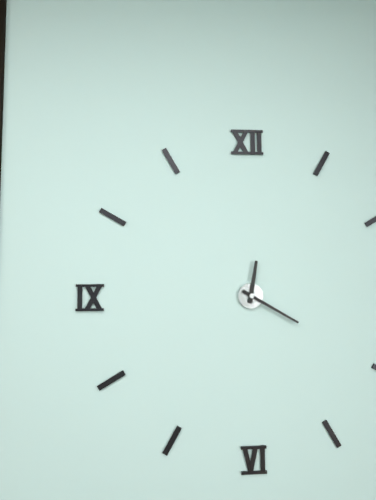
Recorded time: 12:20
